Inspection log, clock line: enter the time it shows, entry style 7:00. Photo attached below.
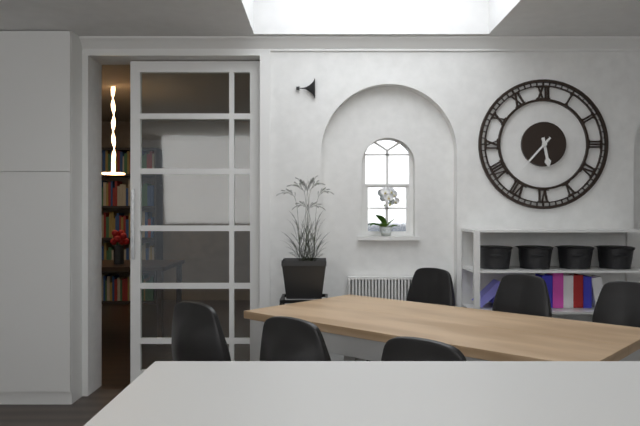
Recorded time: 5:37
